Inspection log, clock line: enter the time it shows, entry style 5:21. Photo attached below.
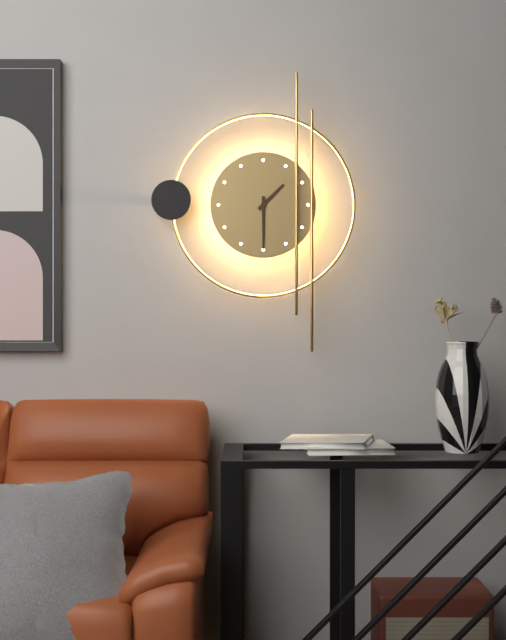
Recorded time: 1:30
